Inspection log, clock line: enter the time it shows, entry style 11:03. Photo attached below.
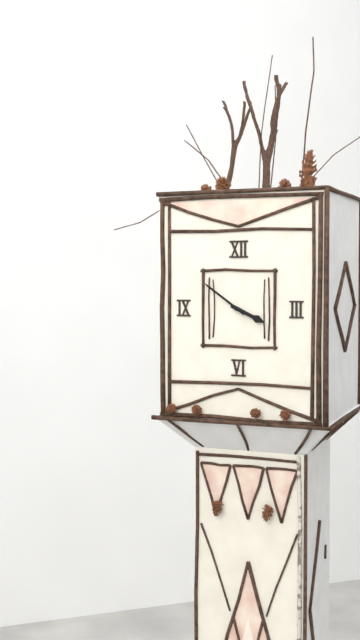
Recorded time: 3:51
